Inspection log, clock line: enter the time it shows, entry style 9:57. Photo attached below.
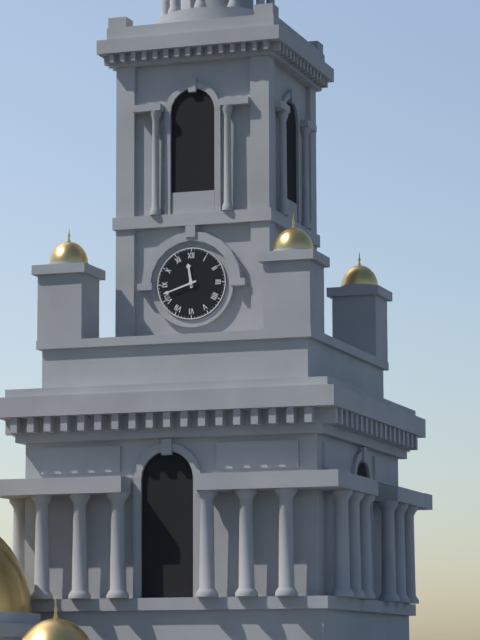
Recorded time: 11:42
